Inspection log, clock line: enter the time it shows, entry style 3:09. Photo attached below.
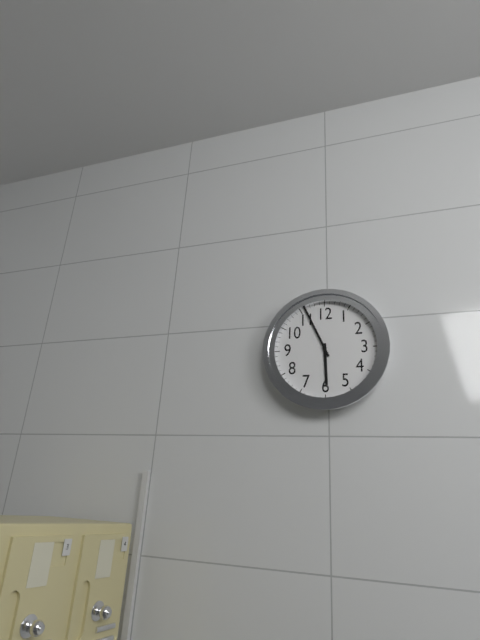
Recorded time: 5:56
